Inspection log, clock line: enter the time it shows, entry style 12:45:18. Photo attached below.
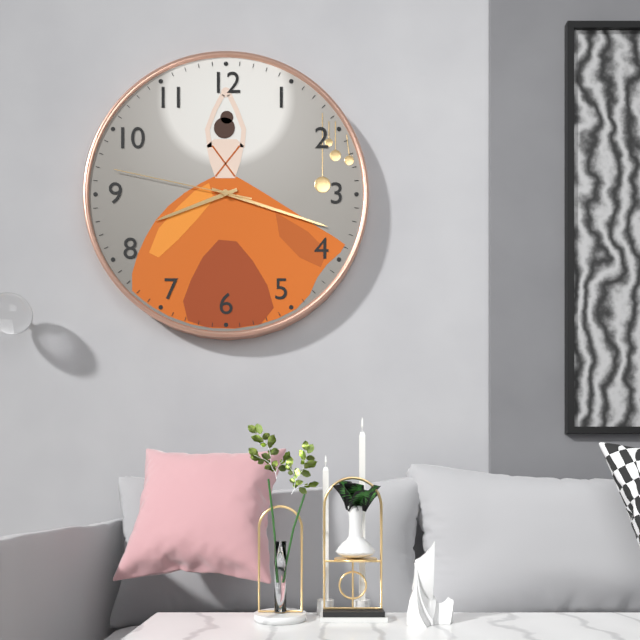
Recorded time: 8:18:47
